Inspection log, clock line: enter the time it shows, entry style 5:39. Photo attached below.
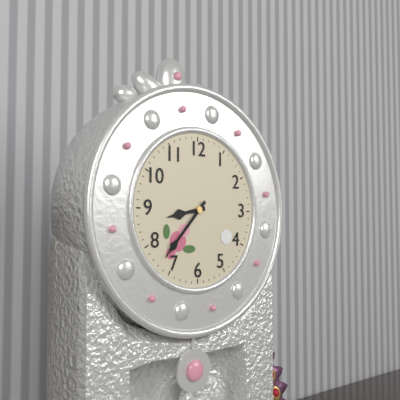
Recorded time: 8:37
